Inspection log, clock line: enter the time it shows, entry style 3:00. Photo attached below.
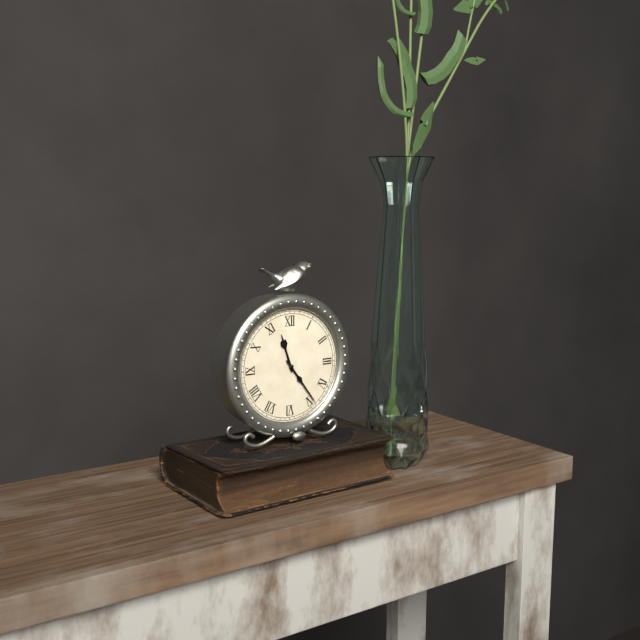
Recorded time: 11:24
